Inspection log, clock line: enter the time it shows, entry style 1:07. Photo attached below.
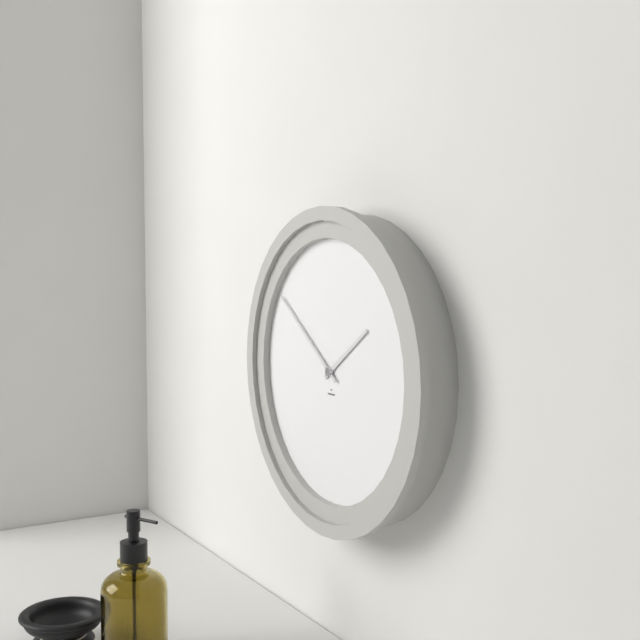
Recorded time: 1:51
